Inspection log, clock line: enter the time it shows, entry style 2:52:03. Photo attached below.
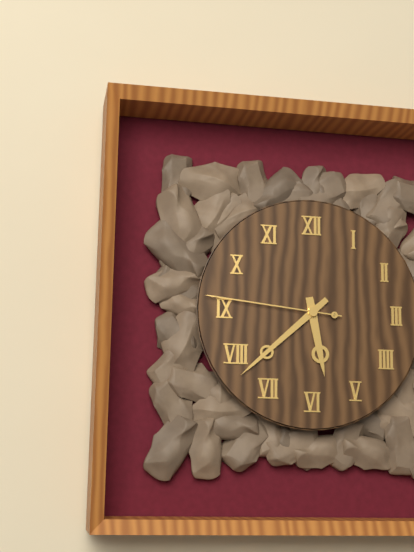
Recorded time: 5:38:46
